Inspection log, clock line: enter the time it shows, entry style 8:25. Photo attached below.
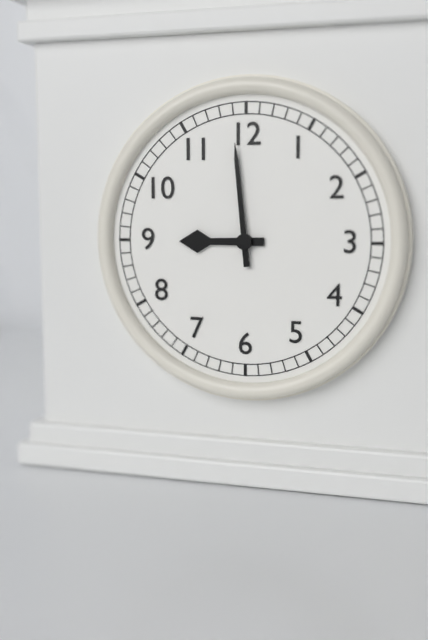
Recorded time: 8:59
